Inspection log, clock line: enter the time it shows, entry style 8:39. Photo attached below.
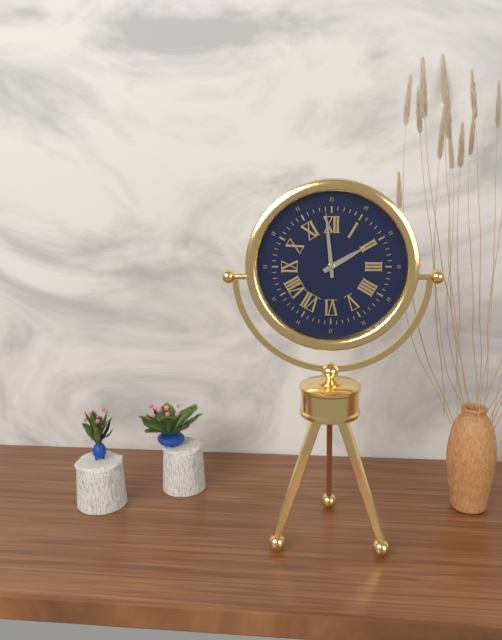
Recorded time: 1:59
